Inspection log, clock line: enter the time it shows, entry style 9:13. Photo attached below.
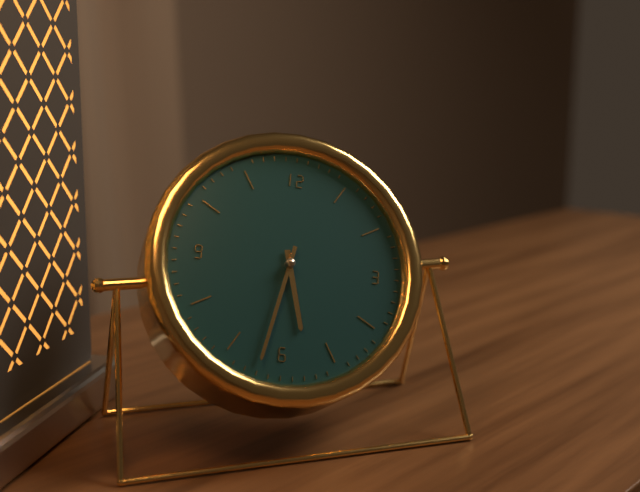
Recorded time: 5:32
